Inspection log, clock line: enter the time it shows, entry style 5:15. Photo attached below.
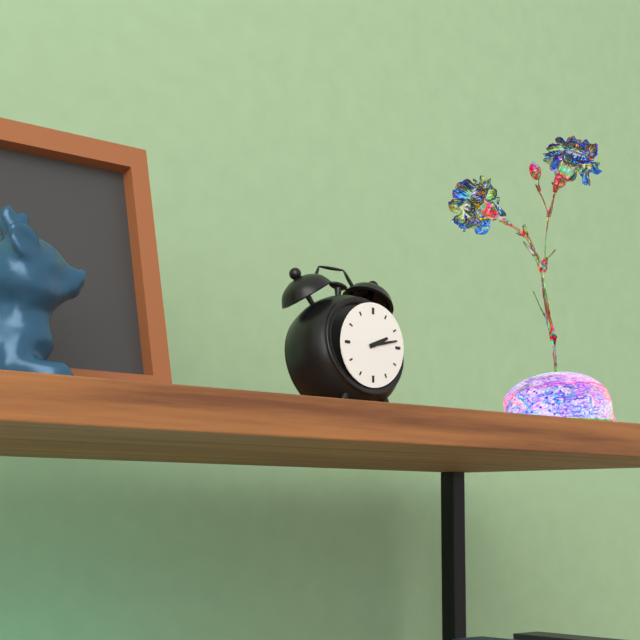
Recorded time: 2:13
